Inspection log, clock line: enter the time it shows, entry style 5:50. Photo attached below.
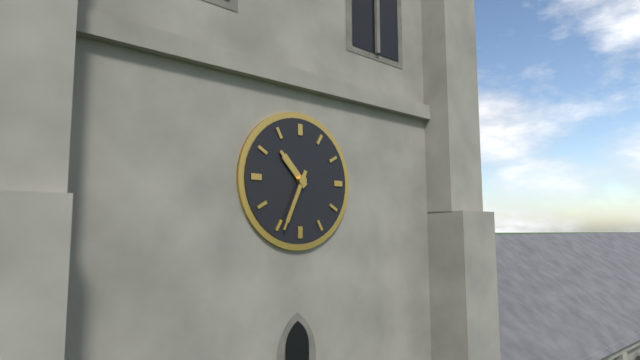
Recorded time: 10:34
